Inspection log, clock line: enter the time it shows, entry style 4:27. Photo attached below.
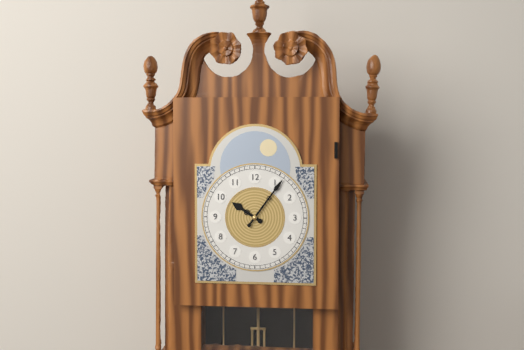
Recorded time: 10:06
